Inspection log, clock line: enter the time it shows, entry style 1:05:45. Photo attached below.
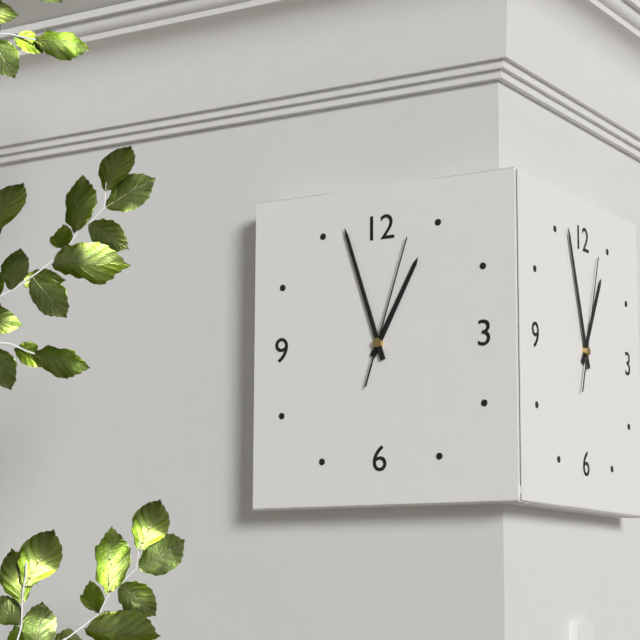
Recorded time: 12:57:03
